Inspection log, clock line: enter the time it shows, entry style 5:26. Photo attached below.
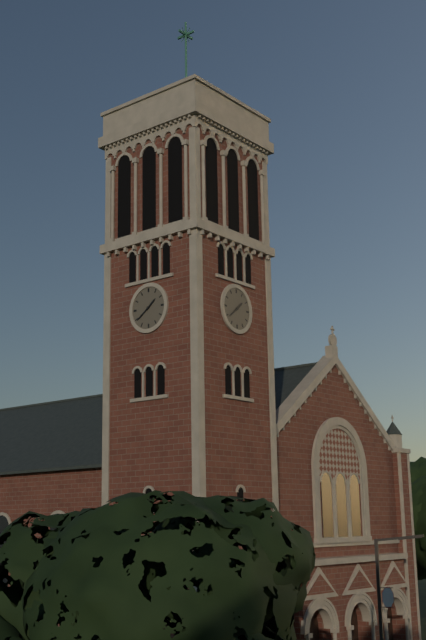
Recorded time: 1:39
